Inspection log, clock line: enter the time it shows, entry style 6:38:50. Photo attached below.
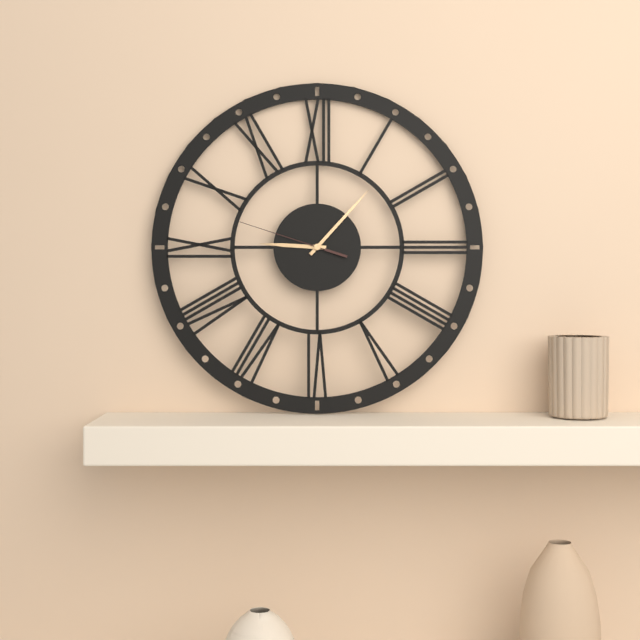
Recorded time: 9:07:48
